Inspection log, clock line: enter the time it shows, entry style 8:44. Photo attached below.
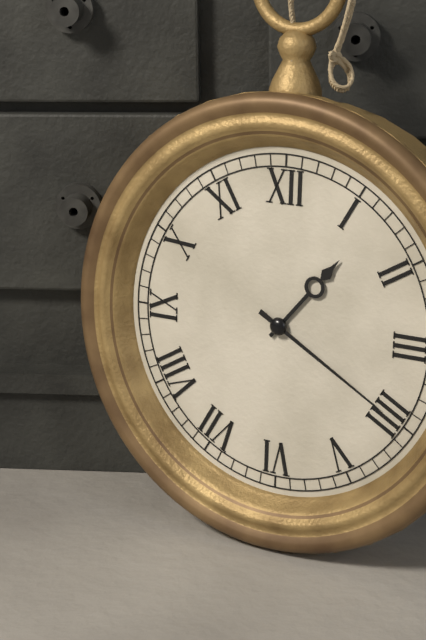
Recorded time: 1:20
